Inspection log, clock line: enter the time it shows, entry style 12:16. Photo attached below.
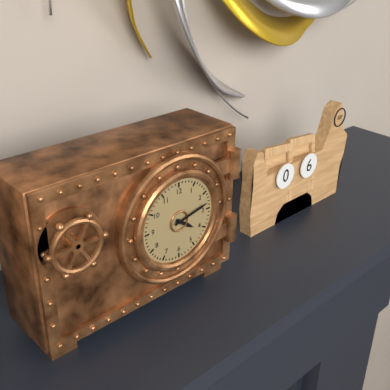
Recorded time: 4:13
